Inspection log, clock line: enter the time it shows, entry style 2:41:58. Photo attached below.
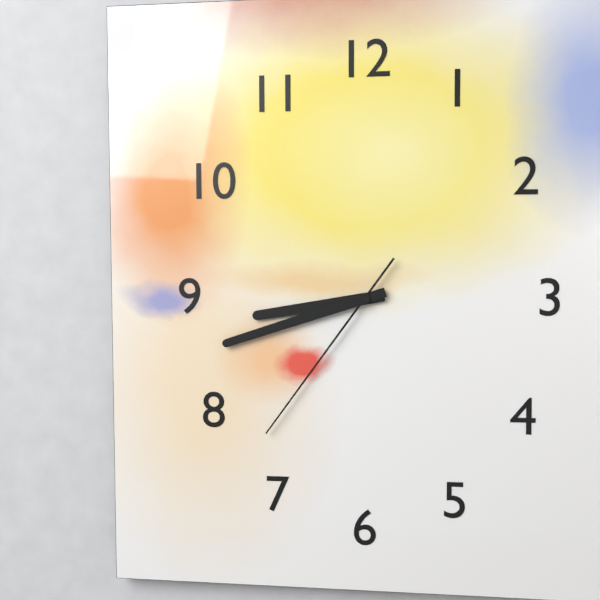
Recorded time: 8:42:36
